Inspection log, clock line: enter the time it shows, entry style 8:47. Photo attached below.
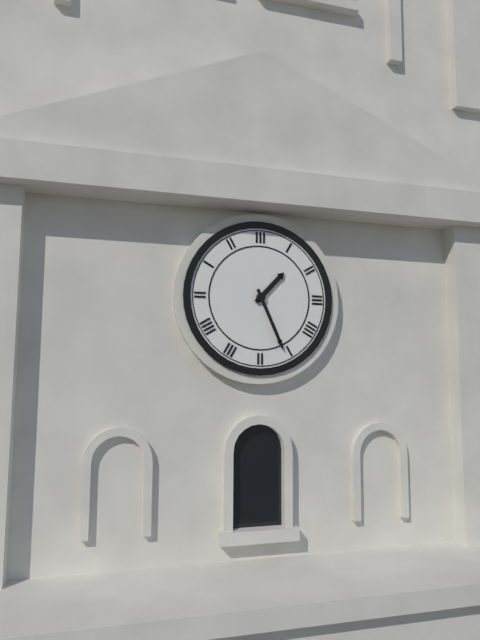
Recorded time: 1:26
